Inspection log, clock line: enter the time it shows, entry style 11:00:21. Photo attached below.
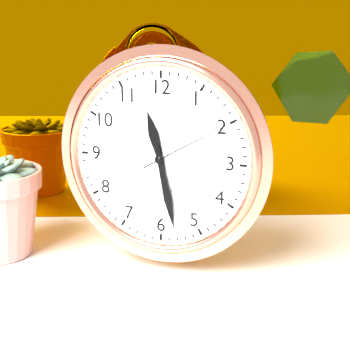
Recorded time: 11:28:10
